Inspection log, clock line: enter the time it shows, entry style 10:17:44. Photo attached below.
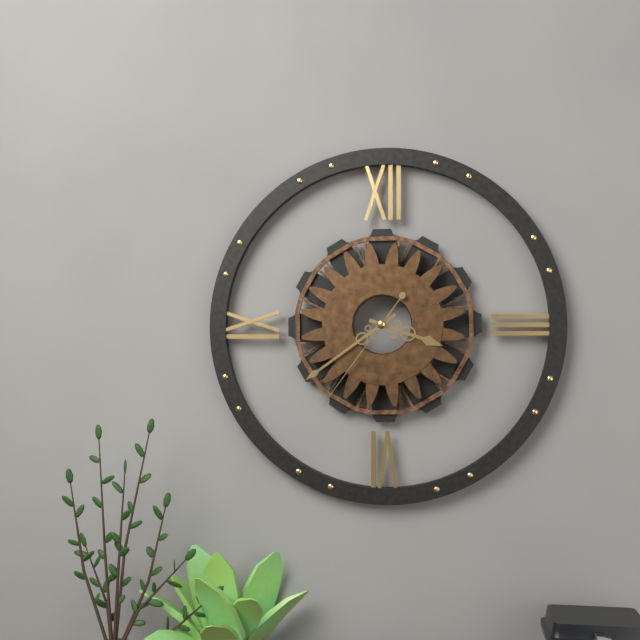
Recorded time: 3:39:36
